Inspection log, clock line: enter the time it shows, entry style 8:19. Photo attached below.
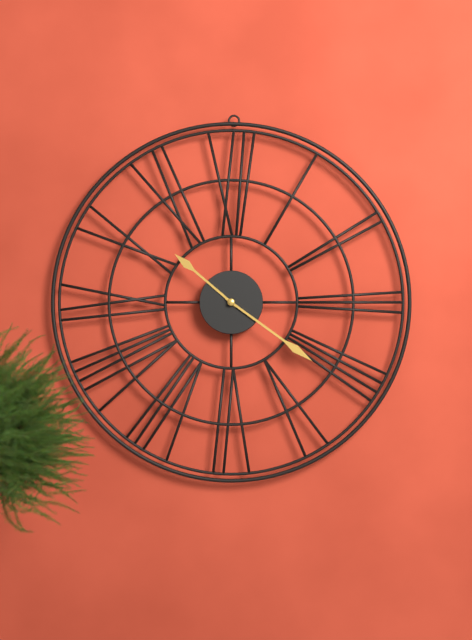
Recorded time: 10:21
